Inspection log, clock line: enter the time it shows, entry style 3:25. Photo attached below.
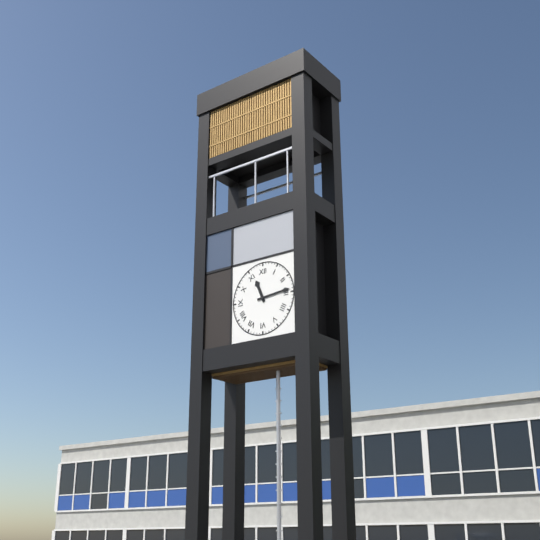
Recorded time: 11:14
